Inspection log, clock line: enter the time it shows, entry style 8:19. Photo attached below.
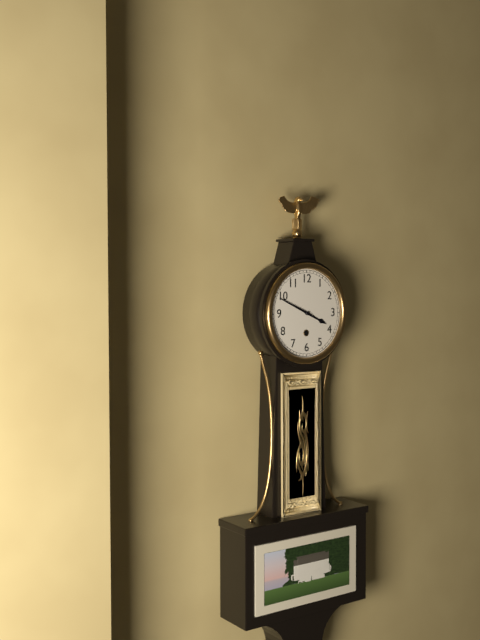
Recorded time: 3:49
